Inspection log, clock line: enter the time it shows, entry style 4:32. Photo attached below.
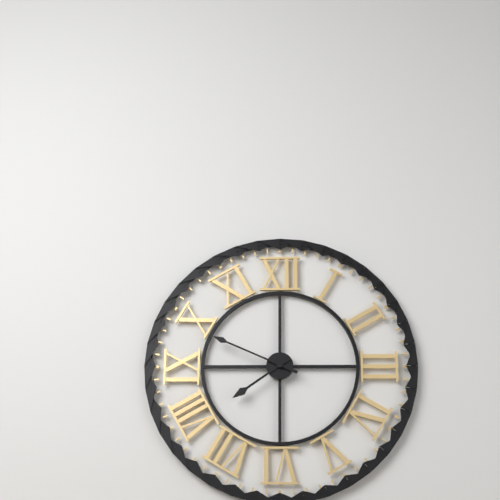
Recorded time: 7:49
